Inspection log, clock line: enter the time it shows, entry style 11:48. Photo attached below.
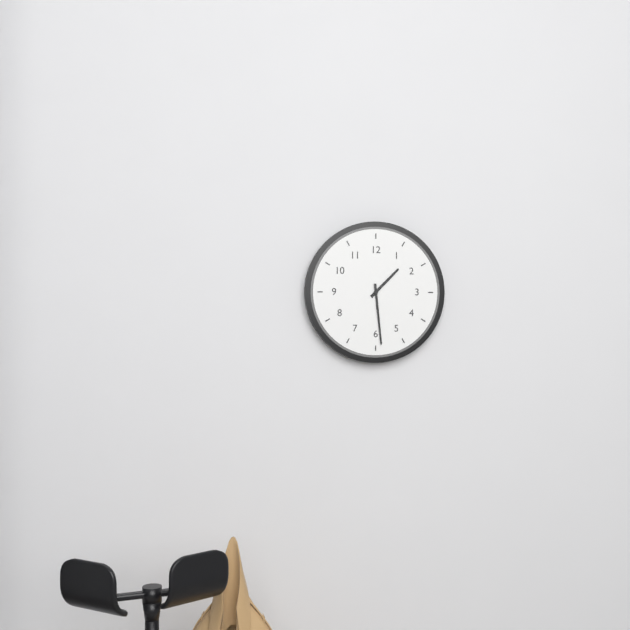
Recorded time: 1:29
